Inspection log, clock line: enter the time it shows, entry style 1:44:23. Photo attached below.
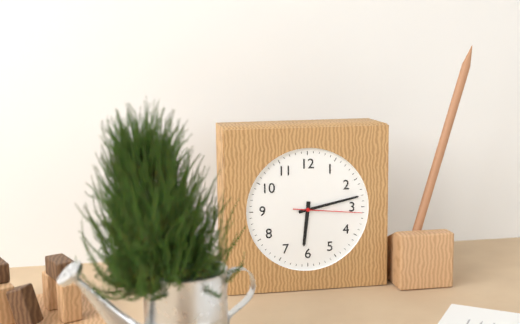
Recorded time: 6:13:16
